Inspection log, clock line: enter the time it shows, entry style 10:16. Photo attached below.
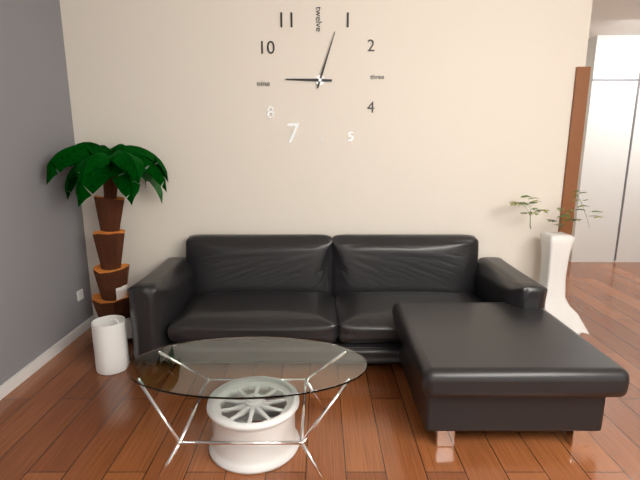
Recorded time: 9:03
